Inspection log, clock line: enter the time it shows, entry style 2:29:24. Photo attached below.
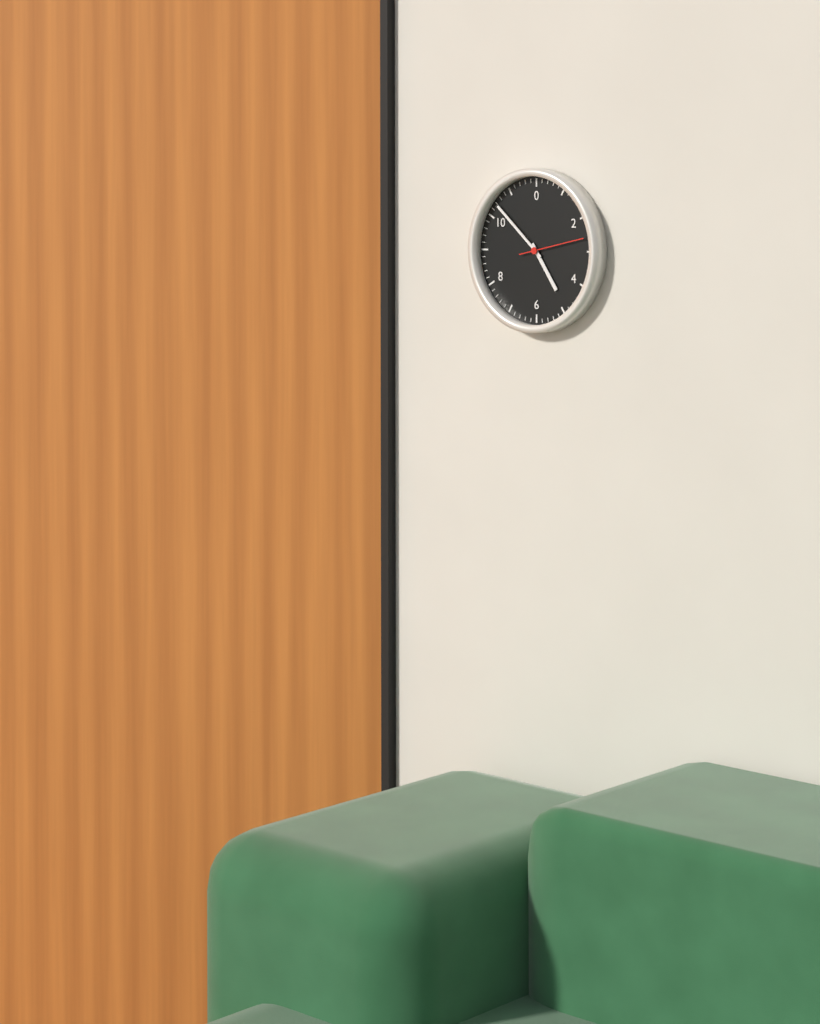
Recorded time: 4:52:13
